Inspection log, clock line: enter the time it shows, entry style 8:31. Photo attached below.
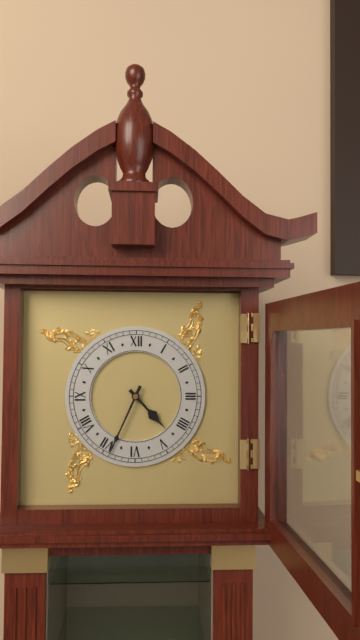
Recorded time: 4:34
